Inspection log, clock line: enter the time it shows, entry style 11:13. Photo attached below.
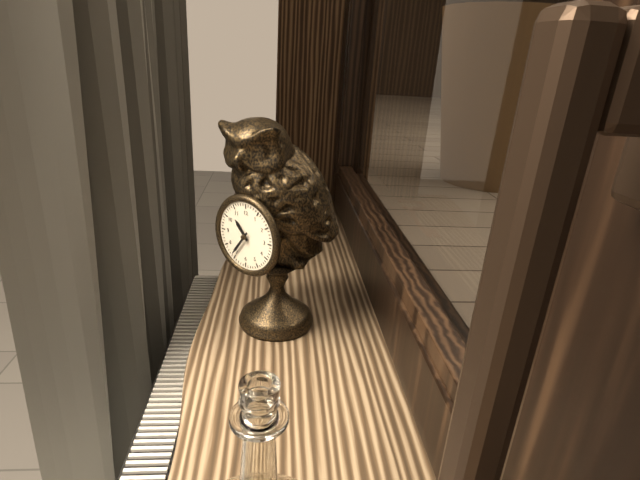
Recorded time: 10:36
